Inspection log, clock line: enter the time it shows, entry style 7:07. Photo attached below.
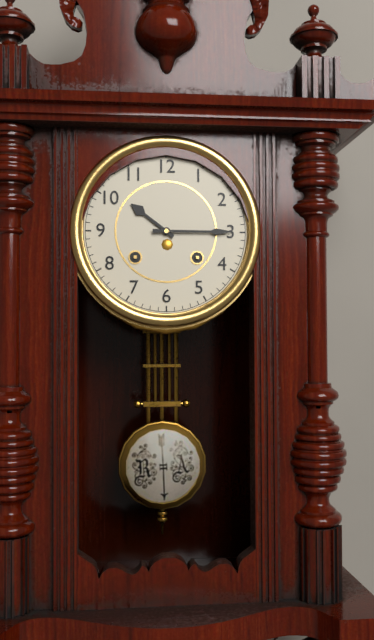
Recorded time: 10:15
